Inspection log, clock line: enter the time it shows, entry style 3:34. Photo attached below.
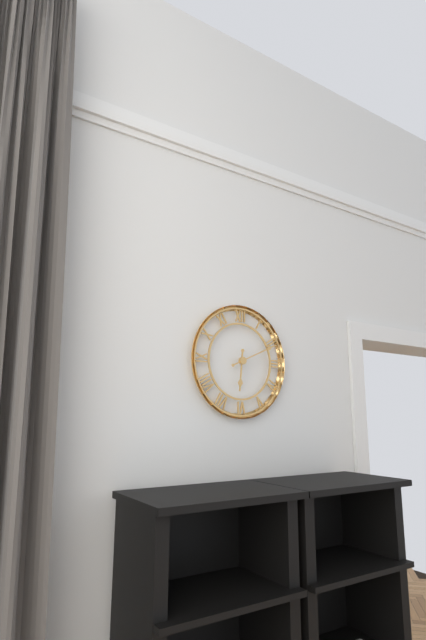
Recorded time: 6:11
